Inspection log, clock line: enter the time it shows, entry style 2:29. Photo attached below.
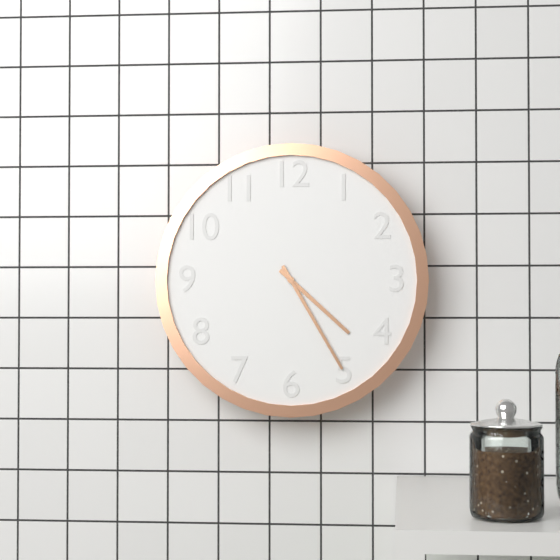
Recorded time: 4:25
